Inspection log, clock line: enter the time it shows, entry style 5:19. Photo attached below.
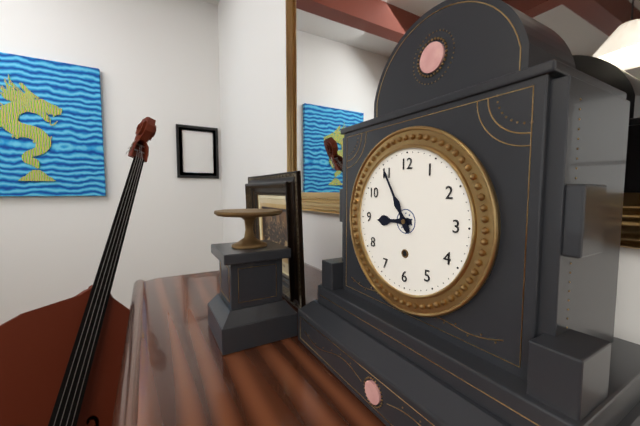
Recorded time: 8:55
